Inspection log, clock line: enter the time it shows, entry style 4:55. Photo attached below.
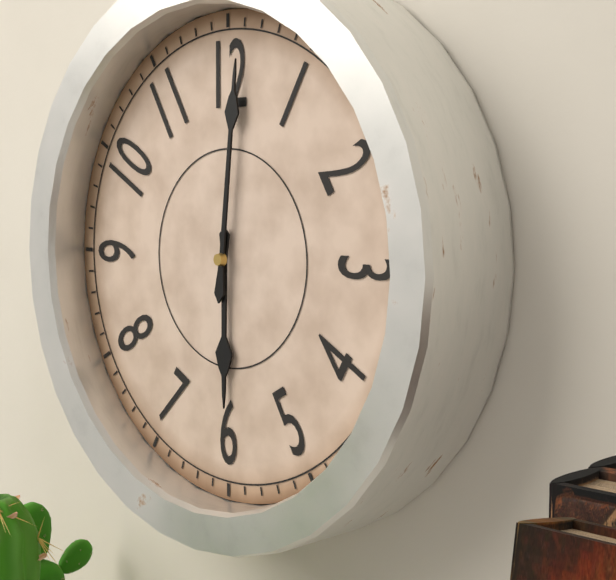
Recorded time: 6:01
